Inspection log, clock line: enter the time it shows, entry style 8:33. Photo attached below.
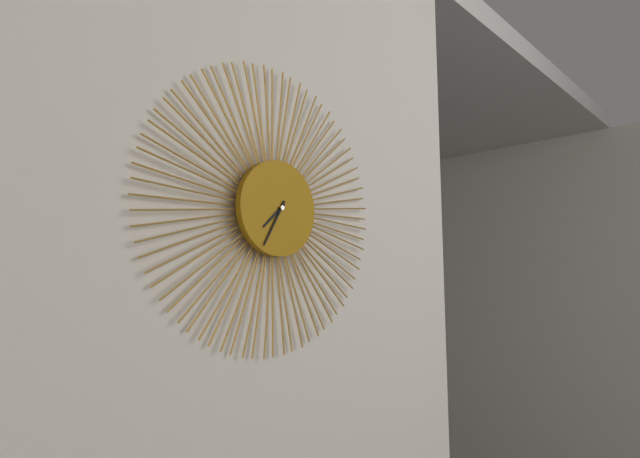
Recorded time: 7:35
